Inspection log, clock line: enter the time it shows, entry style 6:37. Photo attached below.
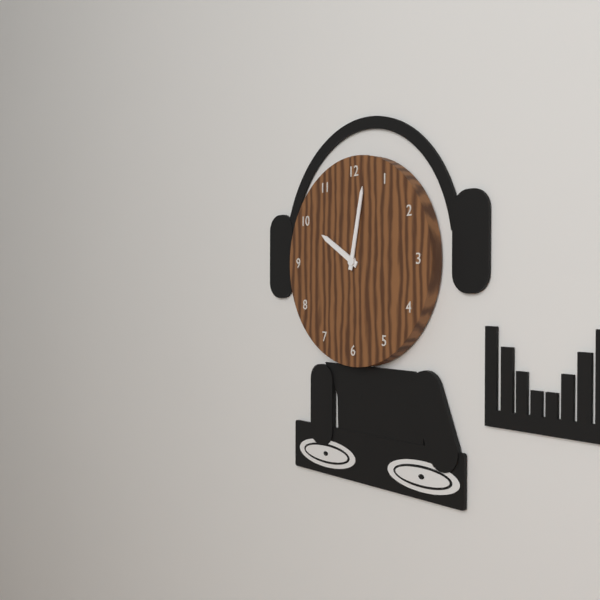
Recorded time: 10:02
